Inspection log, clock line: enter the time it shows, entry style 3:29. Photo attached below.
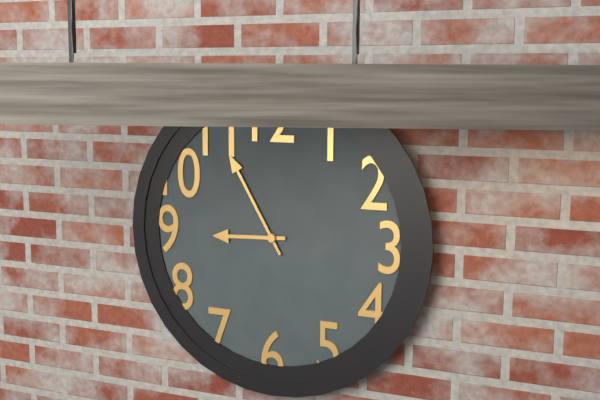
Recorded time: 8:55
